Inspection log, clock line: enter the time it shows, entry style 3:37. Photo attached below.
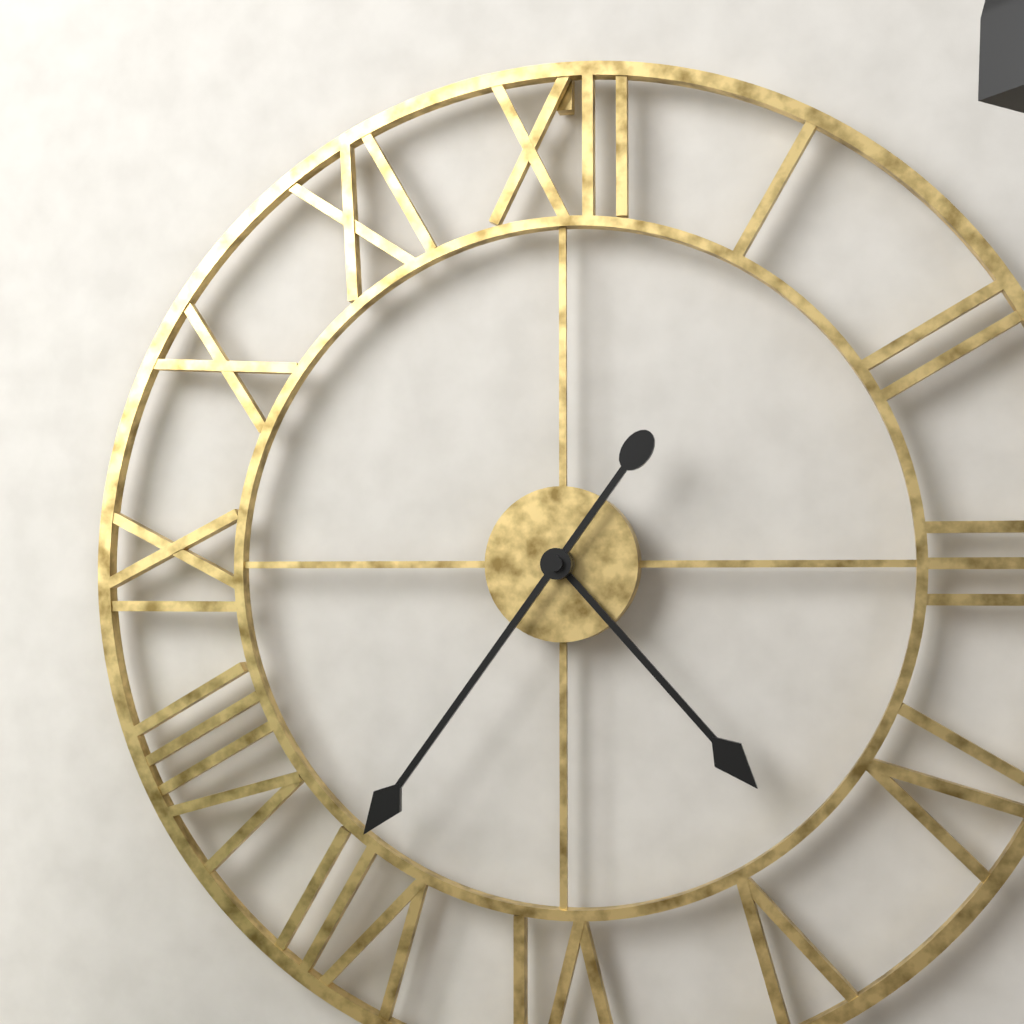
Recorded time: 4:36
